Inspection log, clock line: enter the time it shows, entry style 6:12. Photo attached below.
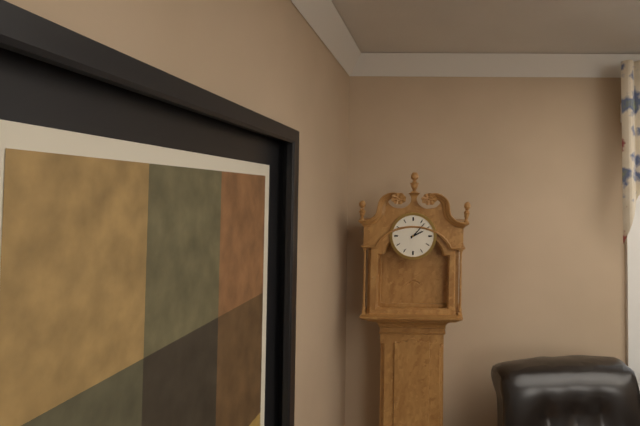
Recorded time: 2:07
